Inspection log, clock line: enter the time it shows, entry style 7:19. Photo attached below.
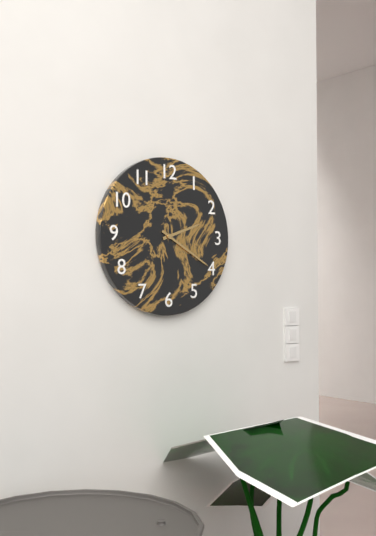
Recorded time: 2:20
